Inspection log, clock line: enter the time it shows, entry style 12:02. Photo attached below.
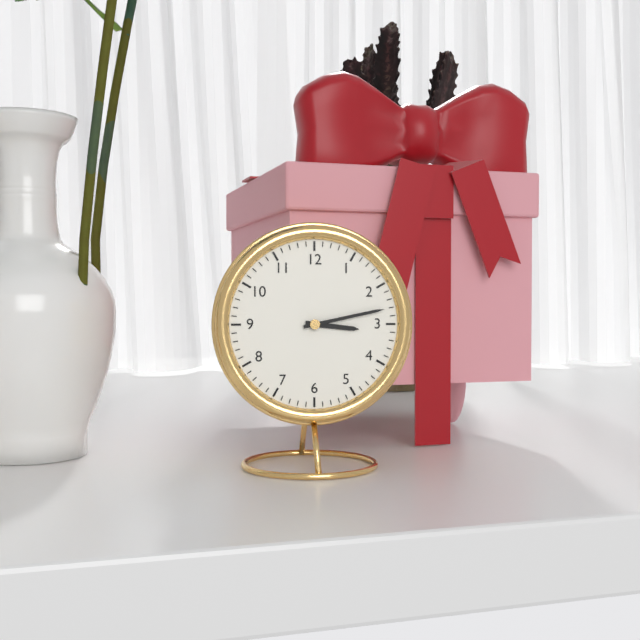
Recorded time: 3:13
